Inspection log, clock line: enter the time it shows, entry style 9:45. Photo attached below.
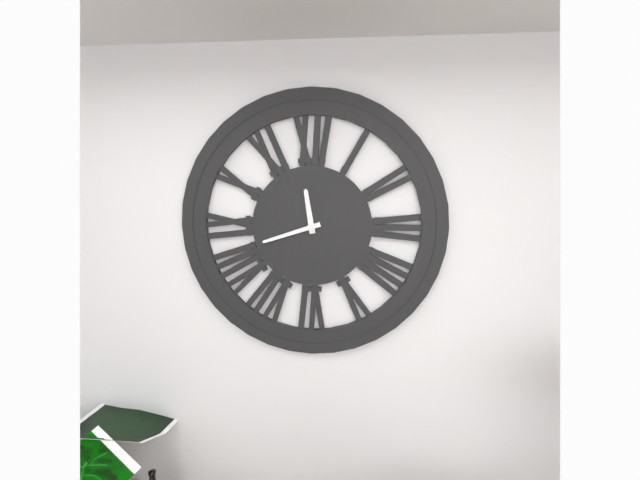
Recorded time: 11:42
